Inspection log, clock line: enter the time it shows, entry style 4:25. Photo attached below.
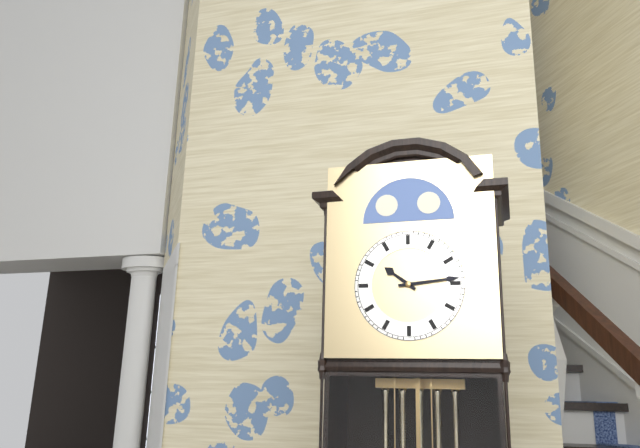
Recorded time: 10:14
